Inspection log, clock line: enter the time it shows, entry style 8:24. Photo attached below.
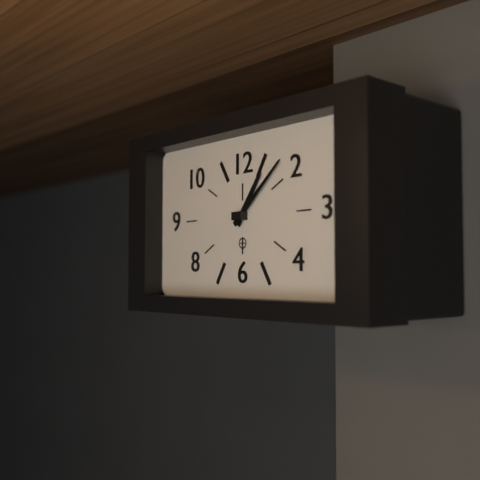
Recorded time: 1:08
